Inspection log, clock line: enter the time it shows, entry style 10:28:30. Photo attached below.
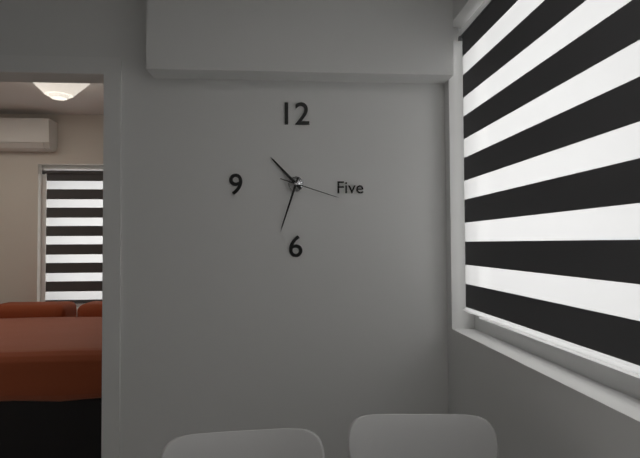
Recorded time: 10:33:18
